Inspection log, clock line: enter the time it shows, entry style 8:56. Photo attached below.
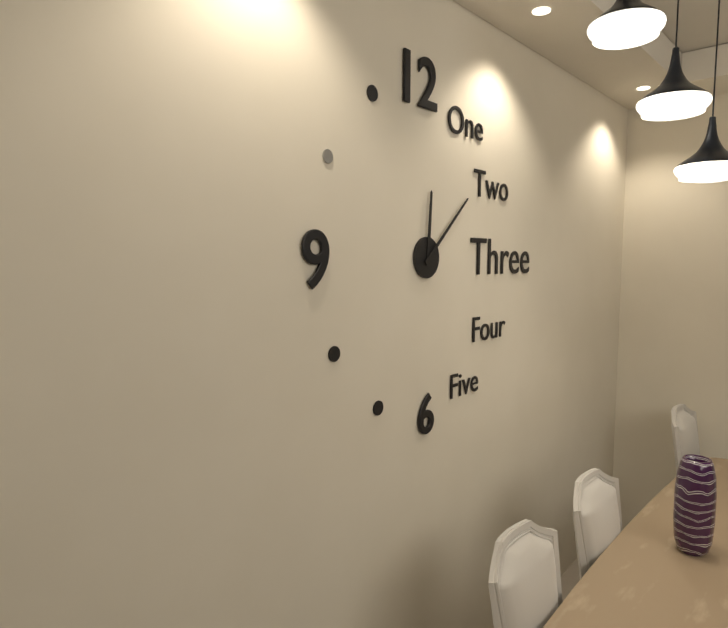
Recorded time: 12:08
